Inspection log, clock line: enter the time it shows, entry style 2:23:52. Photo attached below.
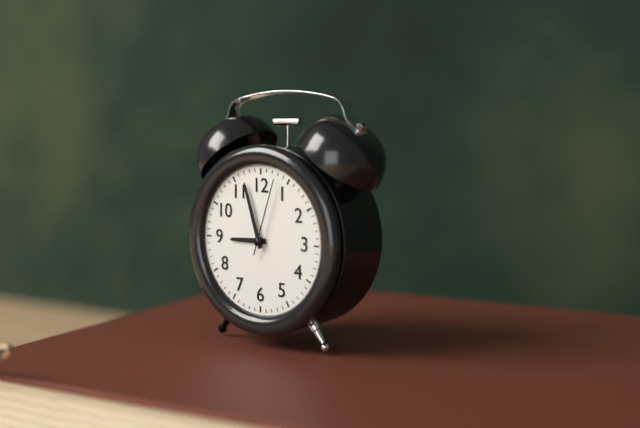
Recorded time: 8:57:03
